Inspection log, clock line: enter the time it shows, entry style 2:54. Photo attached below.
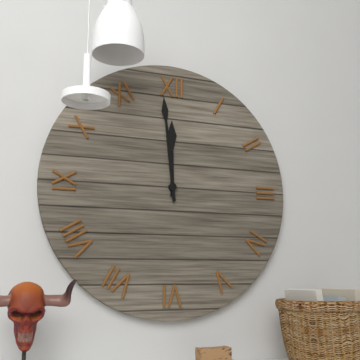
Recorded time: 11:59
